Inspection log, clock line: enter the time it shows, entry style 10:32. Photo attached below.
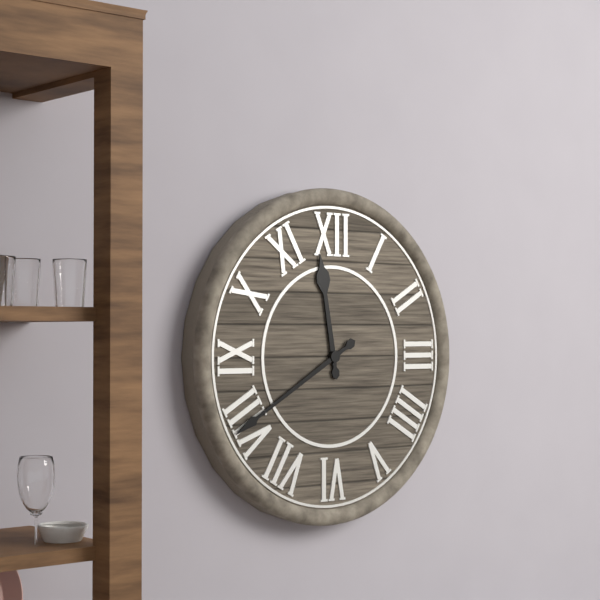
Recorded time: 11:40
